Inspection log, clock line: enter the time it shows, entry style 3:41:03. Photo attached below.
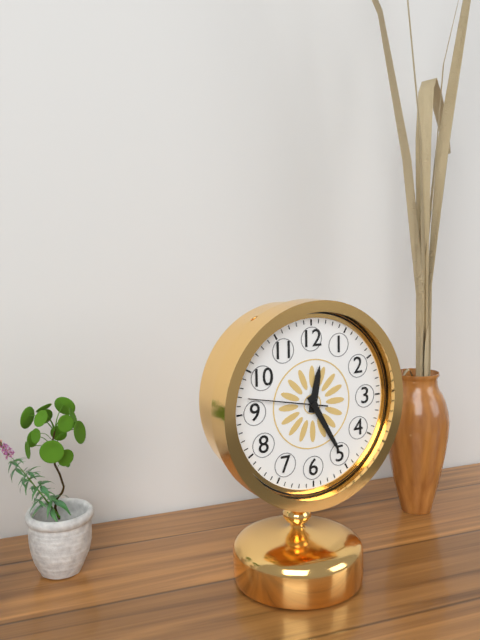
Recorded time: 12:25:47
